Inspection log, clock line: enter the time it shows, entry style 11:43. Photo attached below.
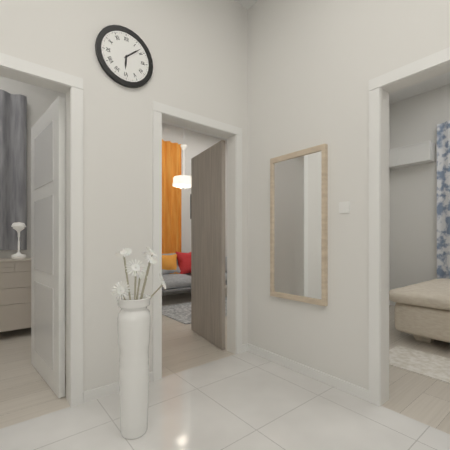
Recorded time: 6:08
